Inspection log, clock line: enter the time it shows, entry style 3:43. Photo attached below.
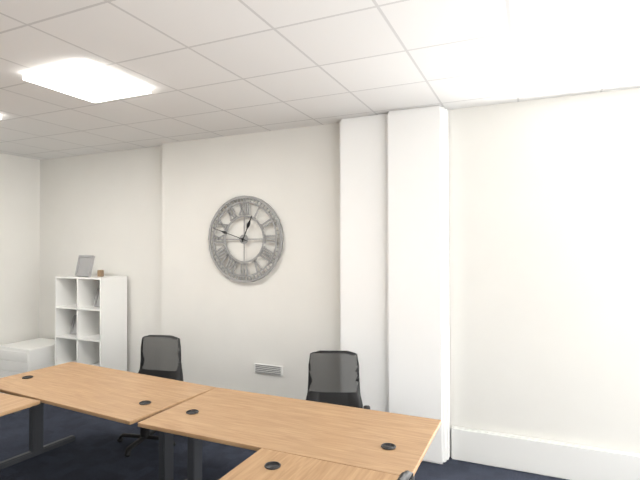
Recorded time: 12:48
